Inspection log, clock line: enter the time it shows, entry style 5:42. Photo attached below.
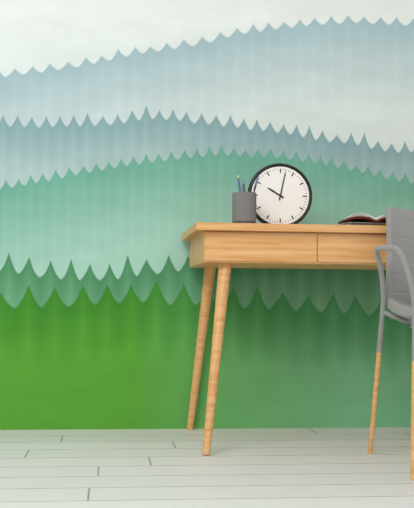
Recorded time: 10:02
